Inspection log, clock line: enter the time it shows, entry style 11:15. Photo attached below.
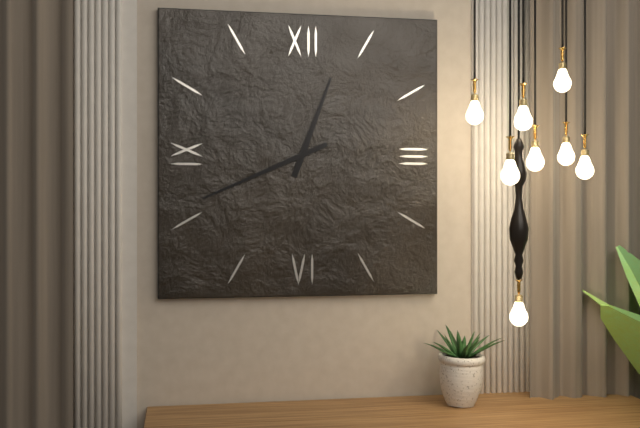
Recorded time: 12:41
